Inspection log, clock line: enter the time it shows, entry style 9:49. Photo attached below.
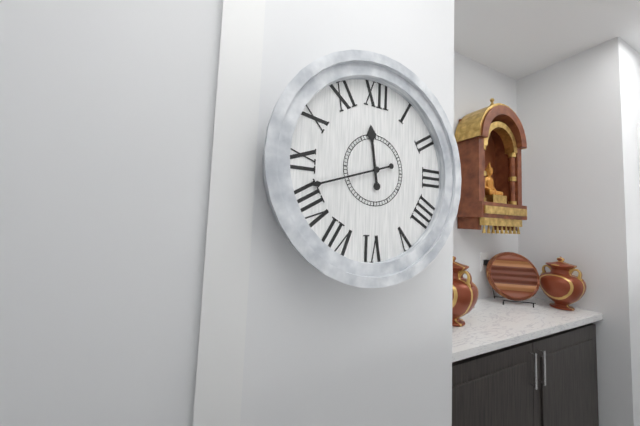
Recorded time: 11:42
